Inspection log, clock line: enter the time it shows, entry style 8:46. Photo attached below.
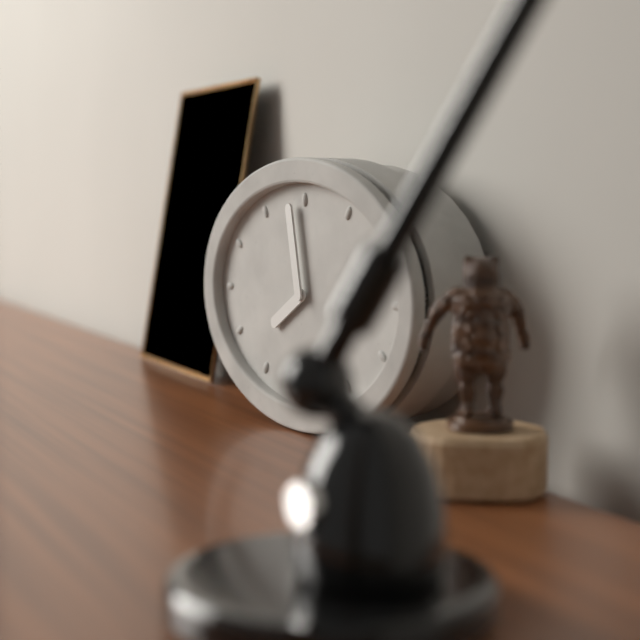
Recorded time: 7:58
